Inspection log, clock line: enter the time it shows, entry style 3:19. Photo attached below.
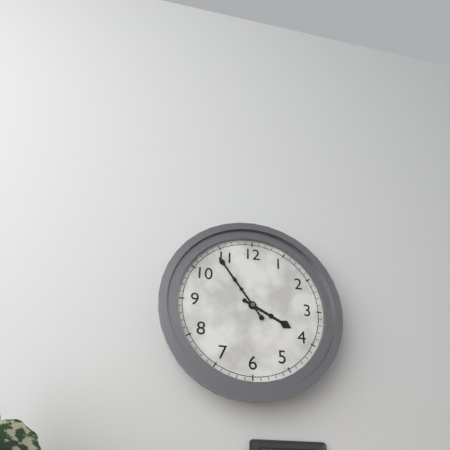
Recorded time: 3:54
